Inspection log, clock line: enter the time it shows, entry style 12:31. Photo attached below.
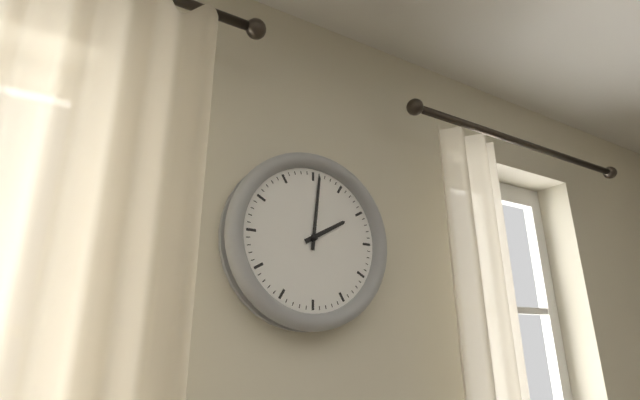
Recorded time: 2:01
